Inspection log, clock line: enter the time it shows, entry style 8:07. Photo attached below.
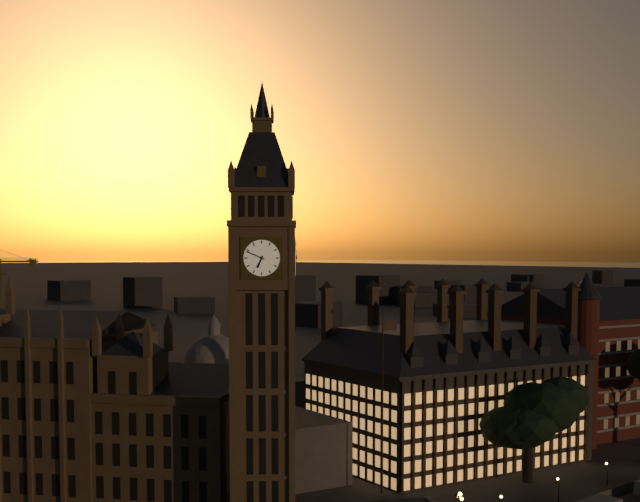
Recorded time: 6:49
